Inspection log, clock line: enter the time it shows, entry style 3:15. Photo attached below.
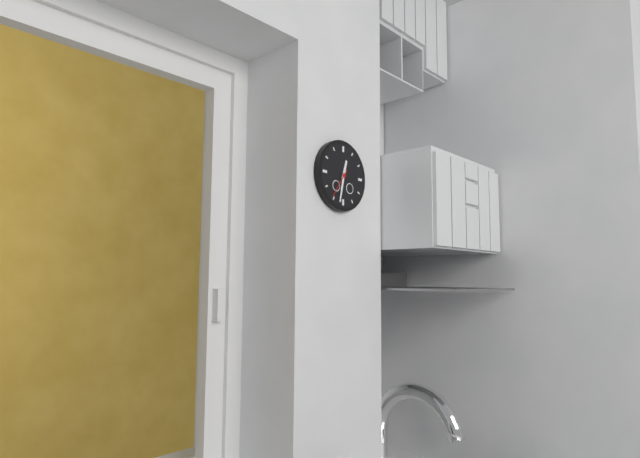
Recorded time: 12:32
